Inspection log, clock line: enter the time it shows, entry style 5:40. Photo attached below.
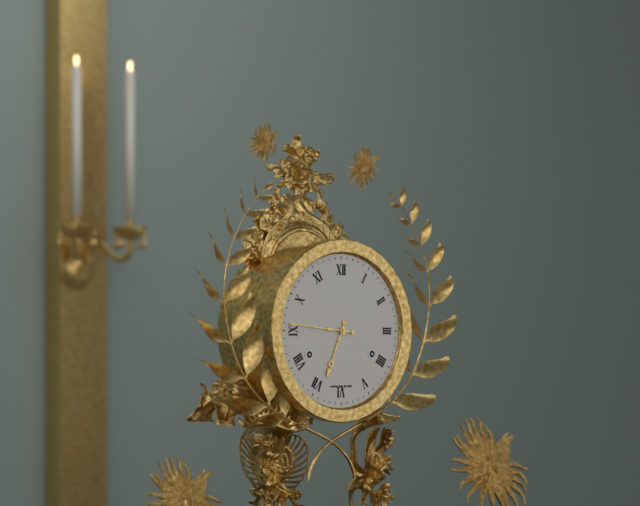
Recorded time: 6:46
